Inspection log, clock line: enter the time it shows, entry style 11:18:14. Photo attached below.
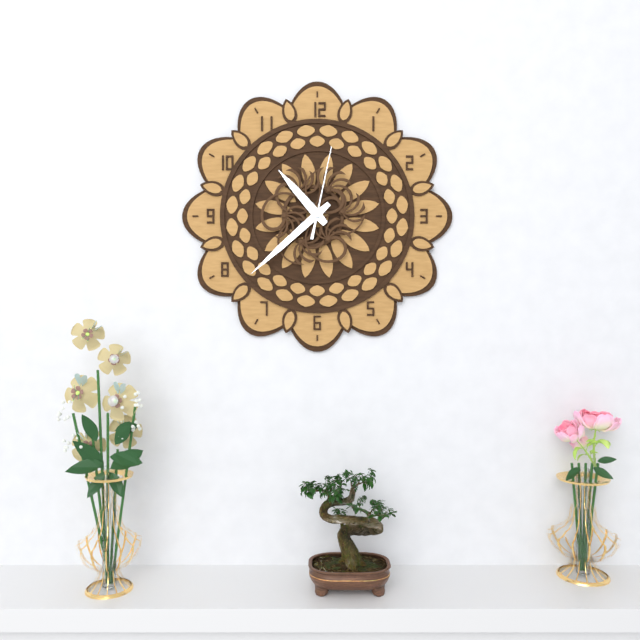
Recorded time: 10:38:02
